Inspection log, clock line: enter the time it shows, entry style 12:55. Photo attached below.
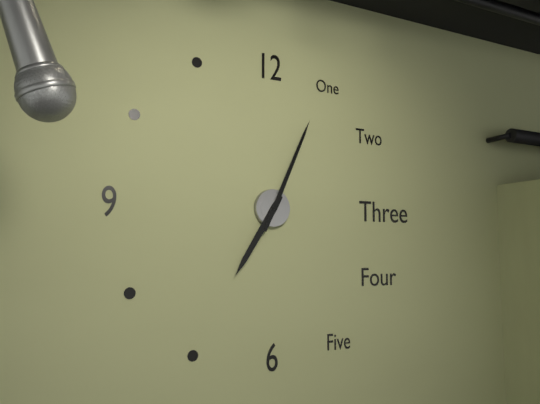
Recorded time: 7:04
